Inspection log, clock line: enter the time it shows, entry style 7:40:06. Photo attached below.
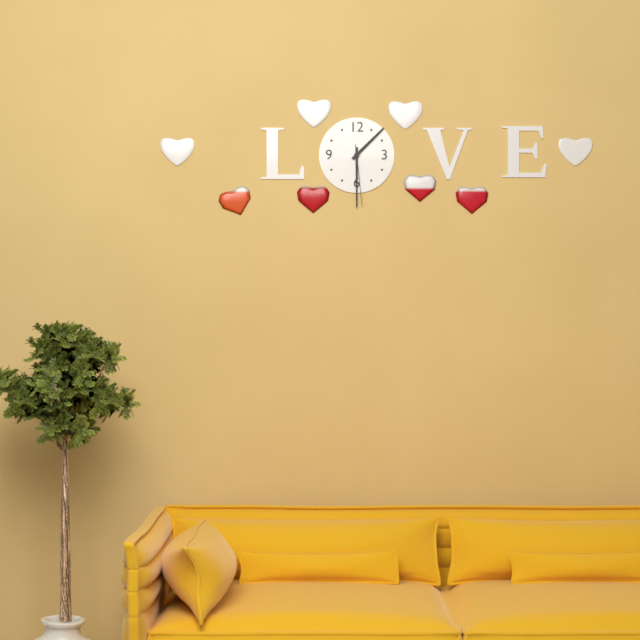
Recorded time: 1:30:29
